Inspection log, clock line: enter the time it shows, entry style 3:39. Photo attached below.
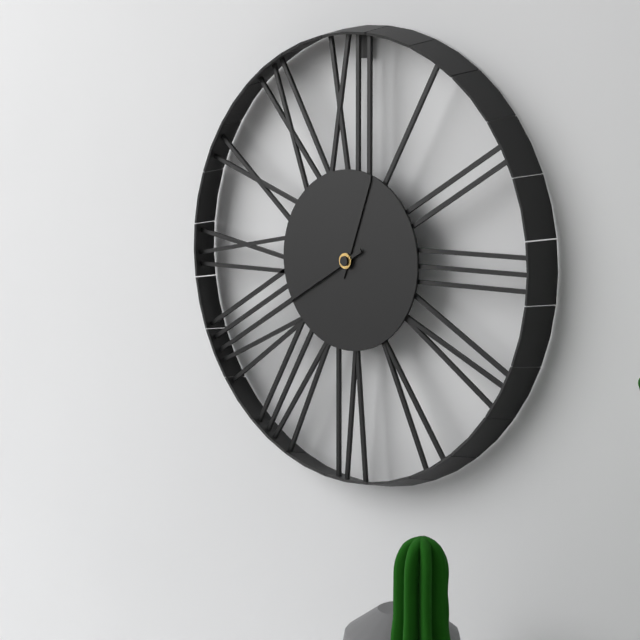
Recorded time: 12:40
